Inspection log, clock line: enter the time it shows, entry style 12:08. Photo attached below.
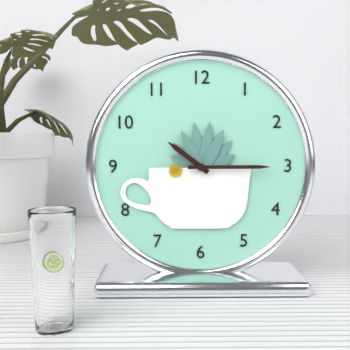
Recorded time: 10:15
